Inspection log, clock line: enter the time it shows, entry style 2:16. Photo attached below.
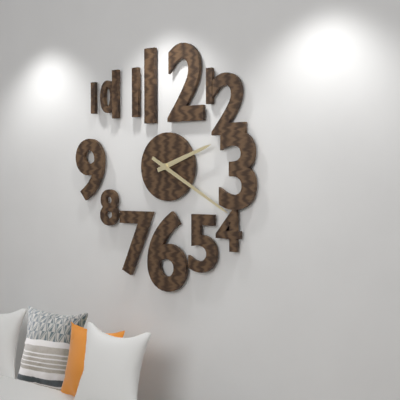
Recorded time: 2:20
